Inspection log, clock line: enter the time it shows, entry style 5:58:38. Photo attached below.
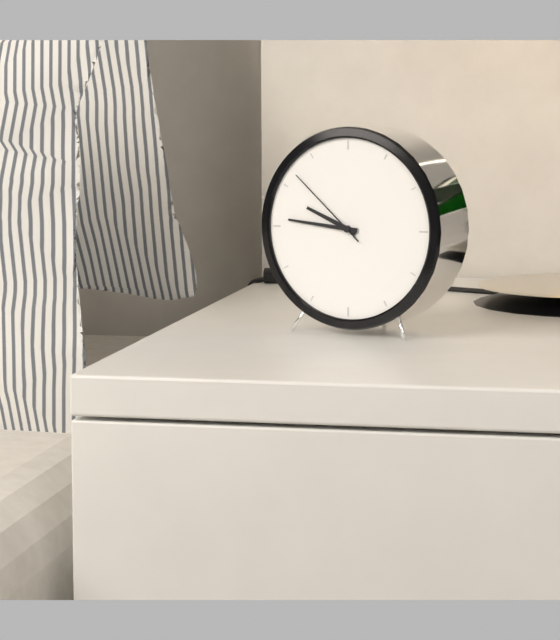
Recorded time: 9:46:52
